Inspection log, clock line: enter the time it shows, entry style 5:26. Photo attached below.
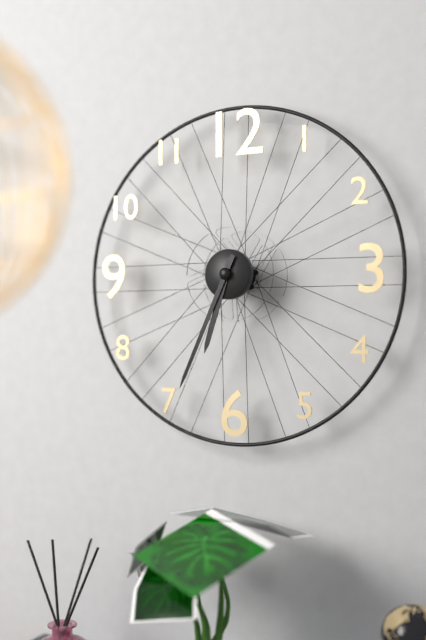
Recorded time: 6:34
